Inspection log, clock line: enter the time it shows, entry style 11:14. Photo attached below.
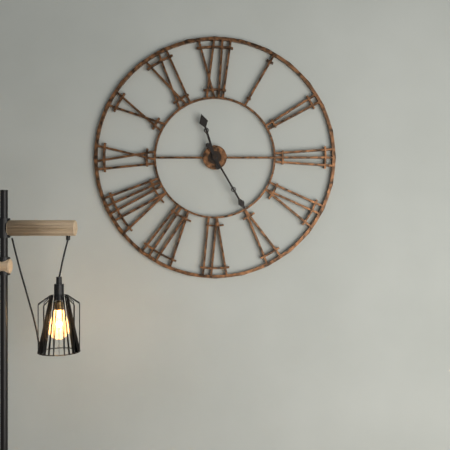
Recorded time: 11:25
